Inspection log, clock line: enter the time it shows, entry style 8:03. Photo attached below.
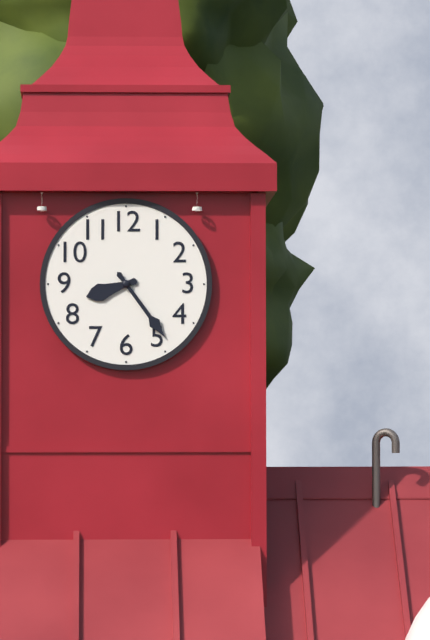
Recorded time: 8:24
